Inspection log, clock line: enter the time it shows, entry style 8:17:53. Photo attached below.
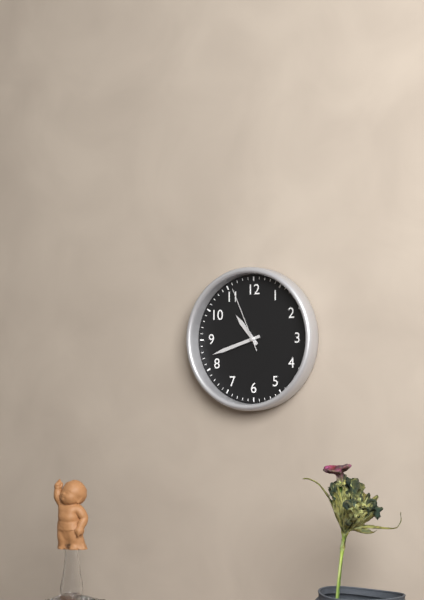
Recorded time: 10:42:56
